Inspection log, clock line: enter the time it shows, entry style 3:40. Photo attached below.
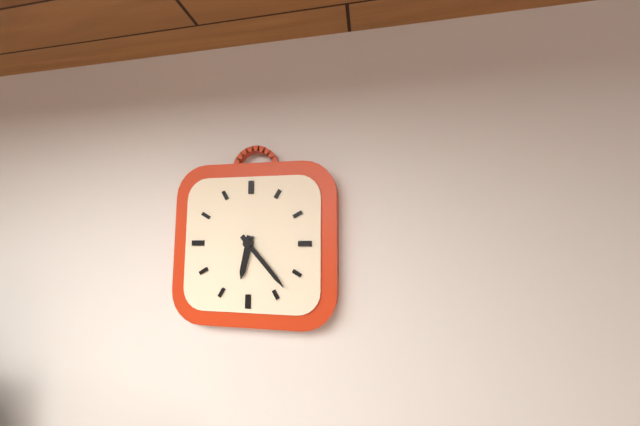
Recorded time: 6:23
